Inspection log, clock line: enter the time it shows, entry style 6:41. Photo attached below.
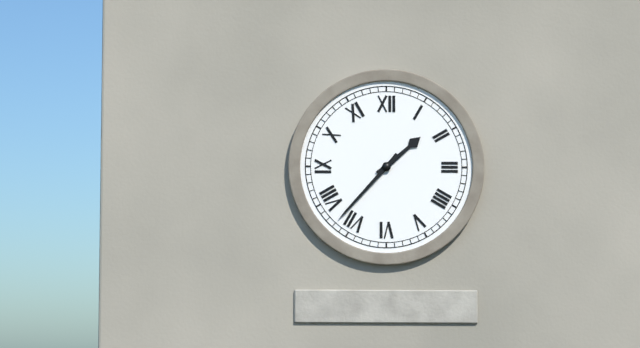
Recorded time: 1:37
